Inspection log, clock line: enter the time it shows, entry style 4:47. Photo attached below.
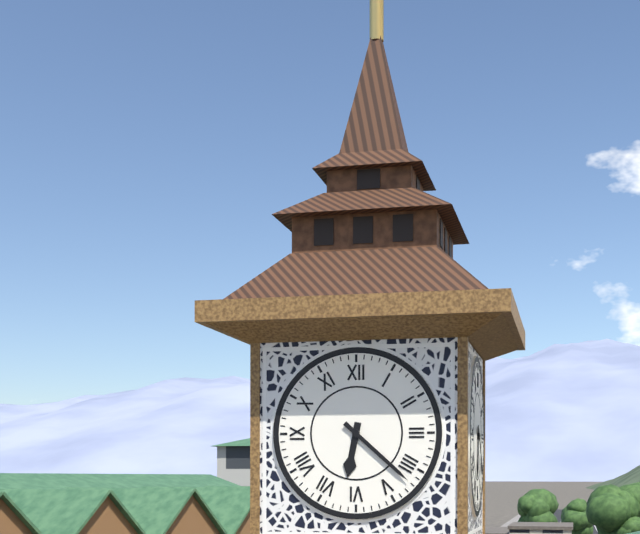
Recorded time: 6:22
